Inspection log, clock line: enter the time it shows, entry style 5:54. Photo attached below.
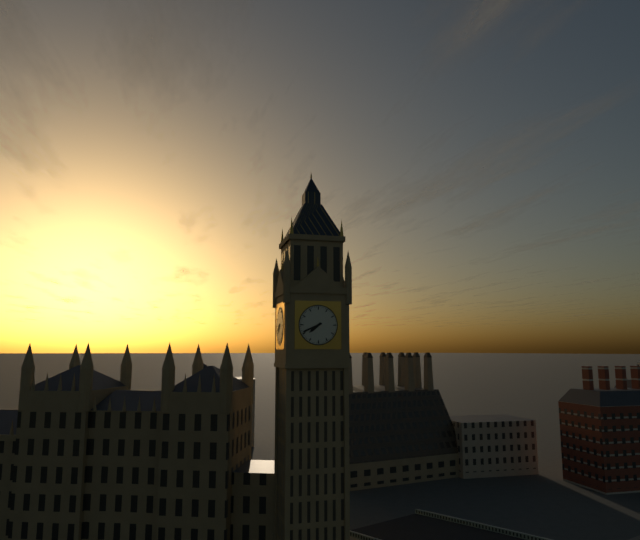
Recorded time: 7:41
